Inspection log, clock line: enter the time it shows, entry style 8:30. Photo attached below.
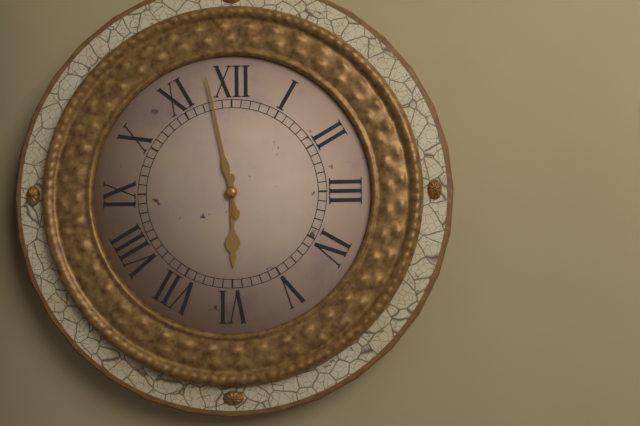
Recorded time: 5:58
